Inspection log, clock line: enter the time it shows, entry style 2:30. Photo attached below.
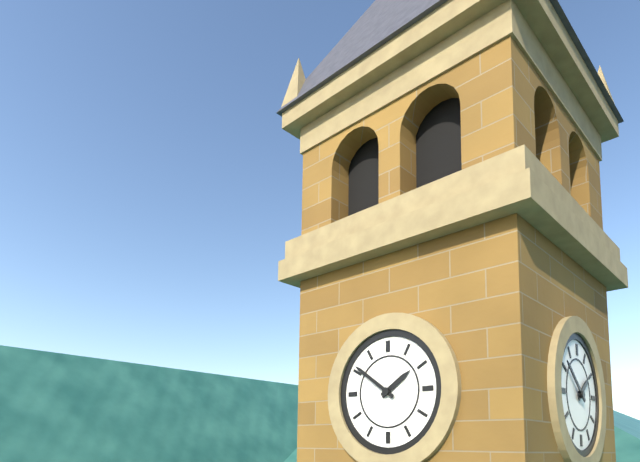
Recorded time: 1:51
